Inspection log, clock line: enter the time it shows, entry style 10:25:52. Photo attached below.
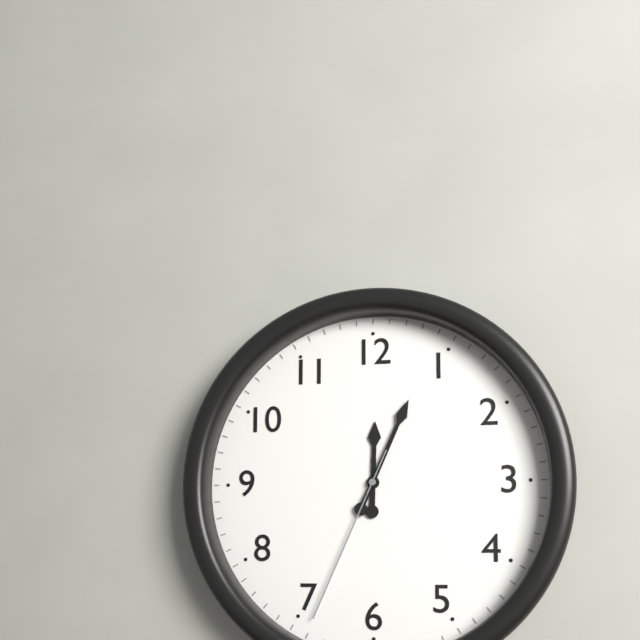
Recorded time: 12:04:34
